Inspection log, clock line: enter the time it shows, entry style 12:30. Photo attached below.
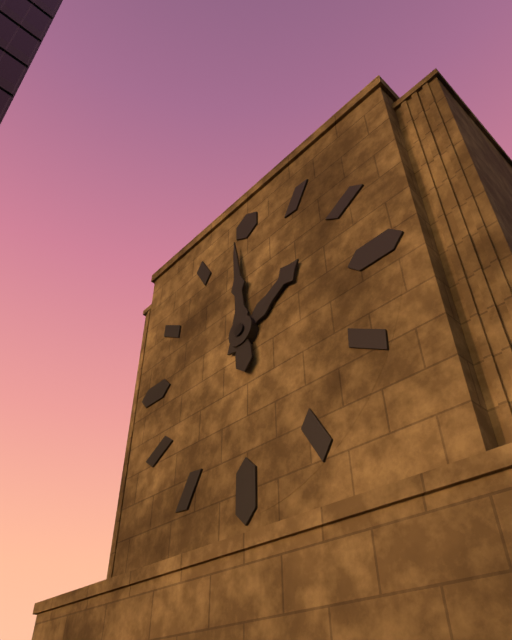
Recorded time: 1:59
